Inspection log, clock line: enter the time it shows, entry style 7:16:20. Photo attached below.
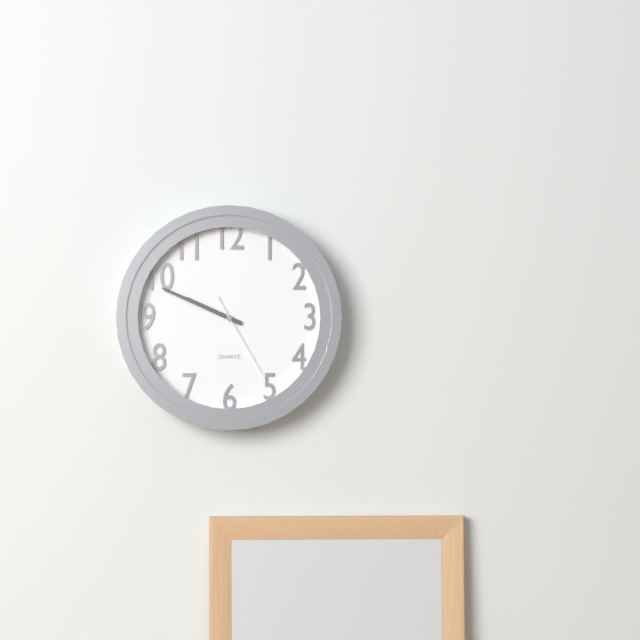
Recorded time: 9:49:25
